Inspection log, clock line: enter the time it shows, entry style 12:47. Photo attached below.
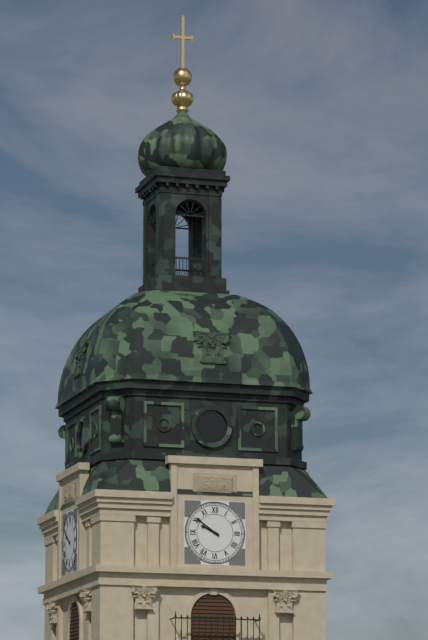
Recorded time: 9:51
